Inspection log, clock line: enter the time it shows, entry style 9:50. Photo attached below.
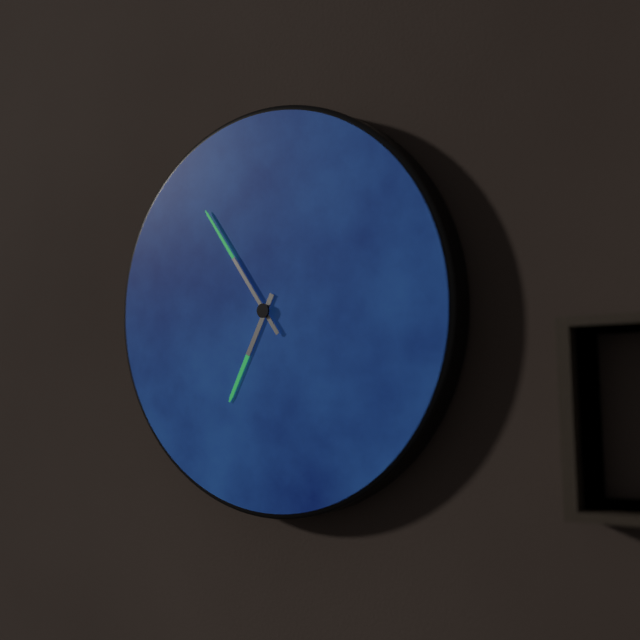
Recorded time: 6:54
